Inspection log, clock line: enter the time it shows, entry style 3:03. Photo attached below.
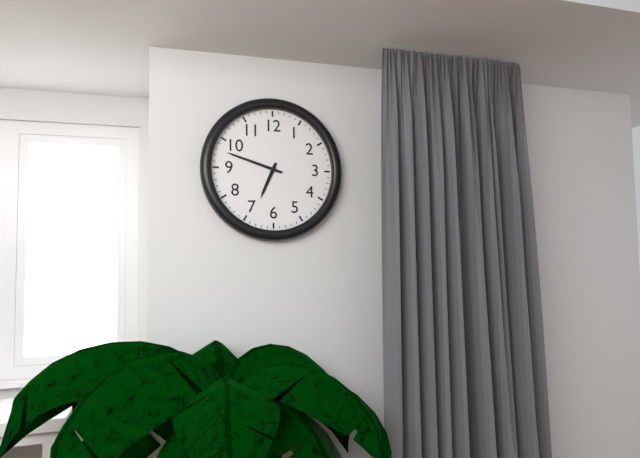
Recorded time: 6:48
